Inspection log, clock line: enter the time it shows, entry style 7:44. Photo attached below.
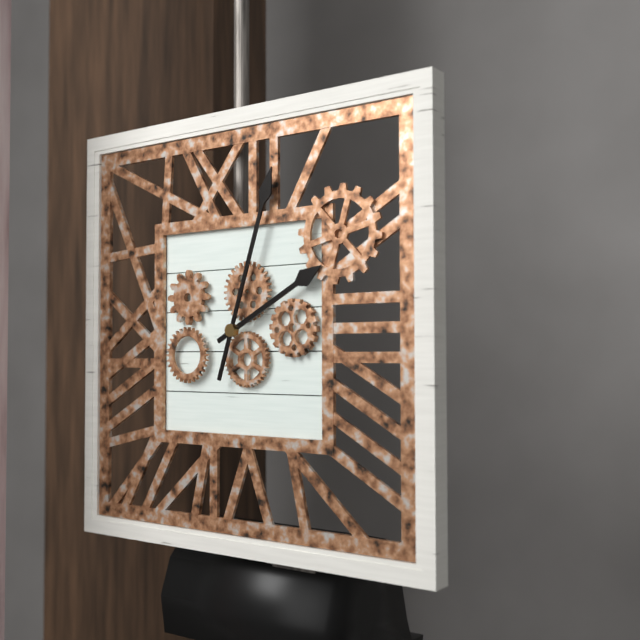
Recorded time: 2:03
